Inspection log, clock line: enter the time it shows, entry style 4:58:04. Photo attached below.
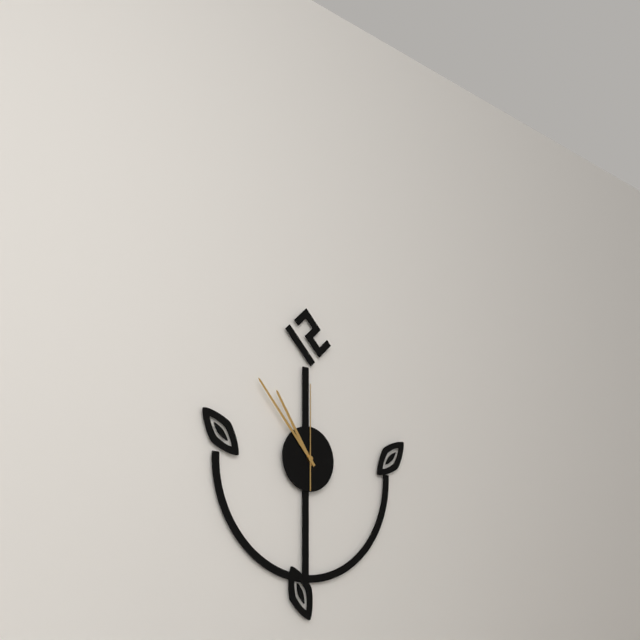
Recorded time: 10:53:00
